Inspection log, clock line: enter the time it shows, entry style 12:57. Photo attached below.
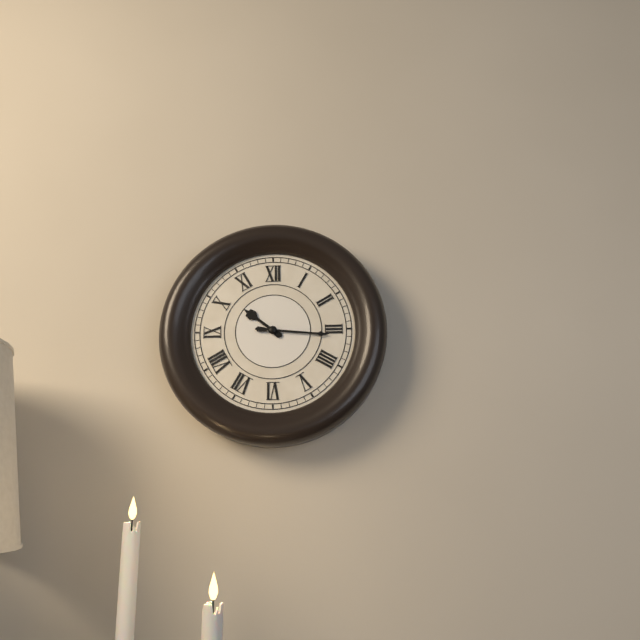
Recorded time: 10:16
